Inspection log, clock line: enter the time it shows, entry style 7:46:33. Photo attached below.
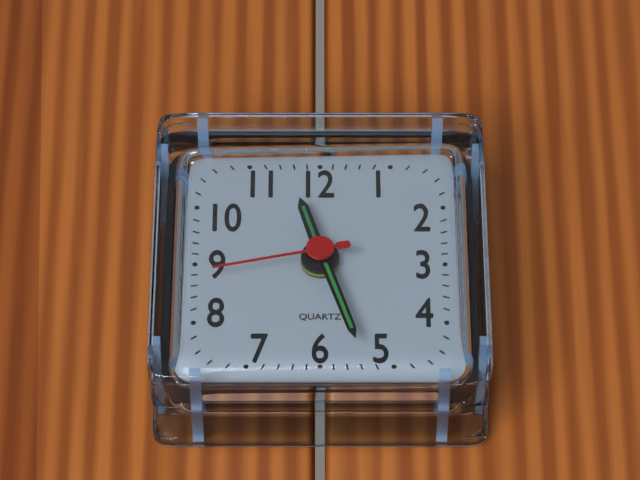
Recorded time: 11:27:43
